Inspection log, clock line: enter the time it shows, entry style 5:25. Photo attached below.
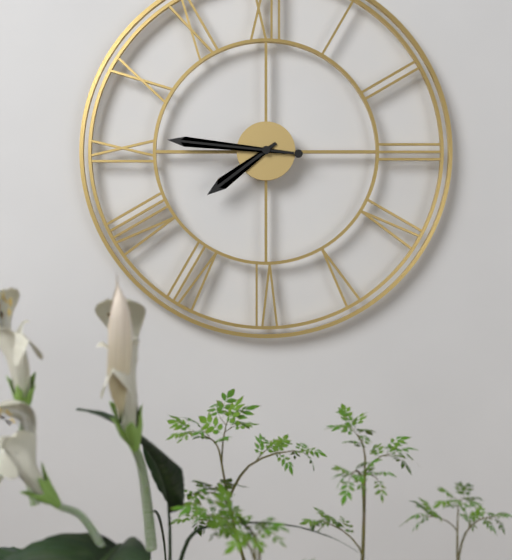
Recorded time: 7:46
